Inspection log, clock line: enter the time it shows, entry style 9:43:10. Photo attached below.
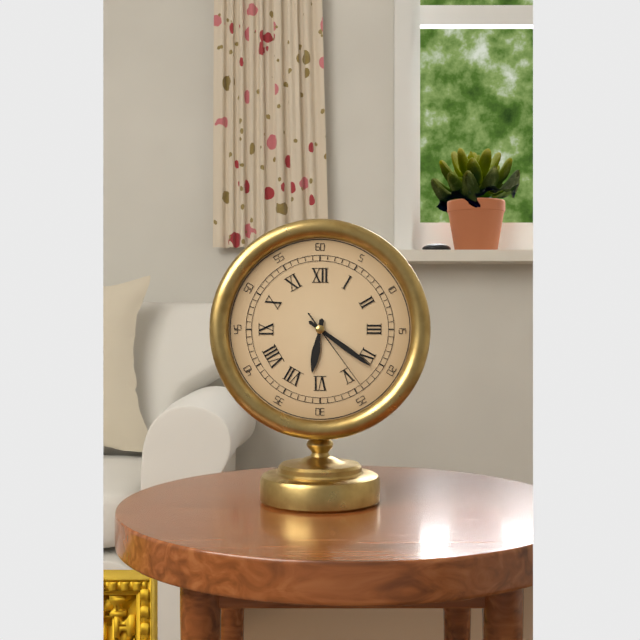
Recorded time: 6:21:24
